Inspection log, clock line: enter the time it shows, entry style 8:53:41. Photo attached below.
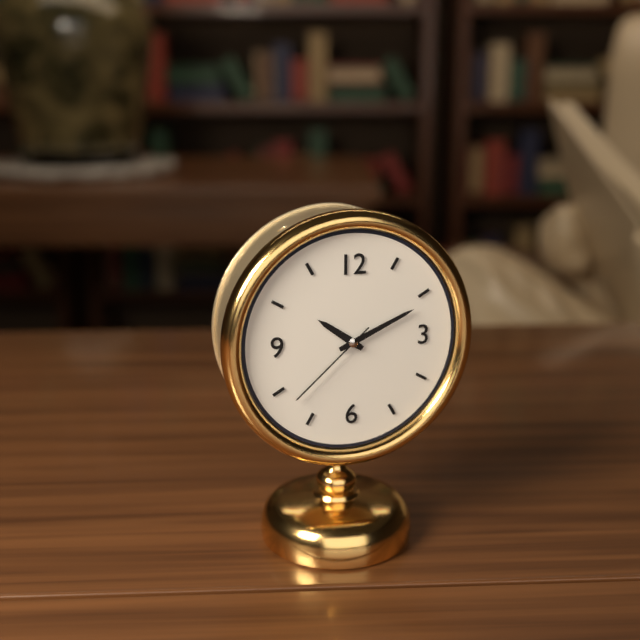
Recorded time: 10:11:38
